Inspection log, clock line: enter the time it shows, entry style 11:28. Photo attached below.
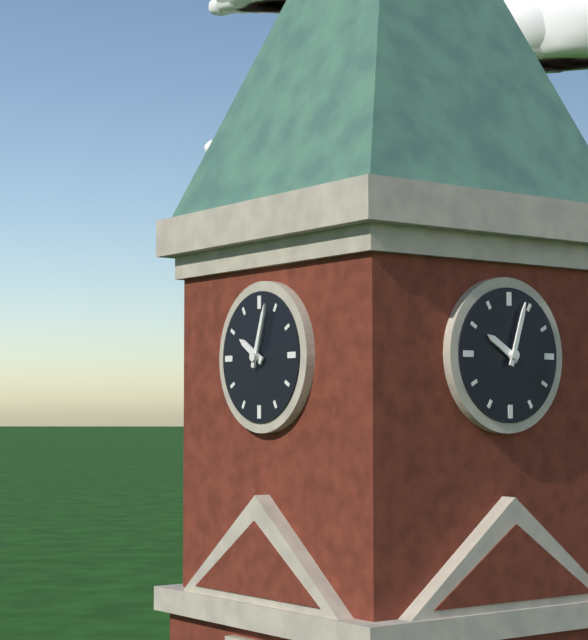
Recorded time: 10:03
